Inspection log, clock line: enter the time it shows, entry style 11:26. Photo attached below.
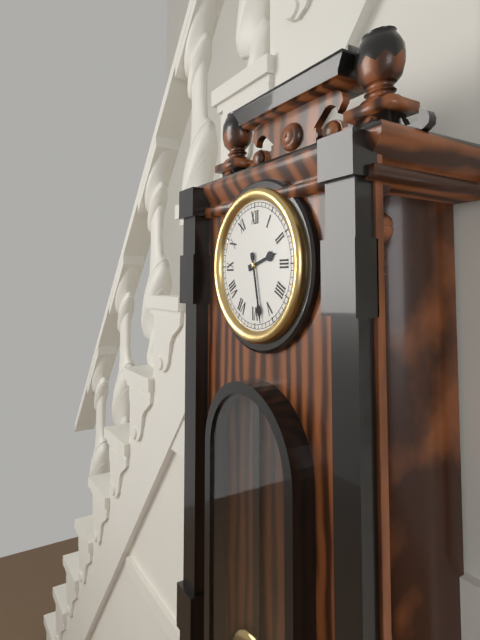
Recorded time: 2:28
